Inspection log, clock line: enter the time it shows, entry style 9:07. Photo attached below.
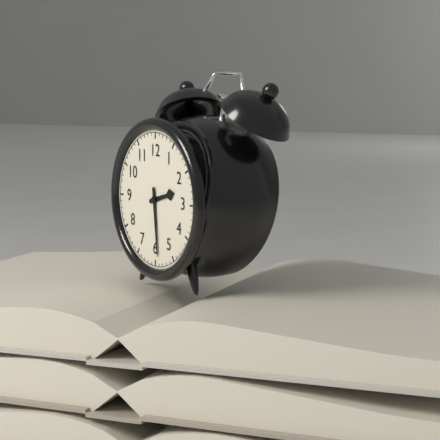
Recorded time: 2:29
